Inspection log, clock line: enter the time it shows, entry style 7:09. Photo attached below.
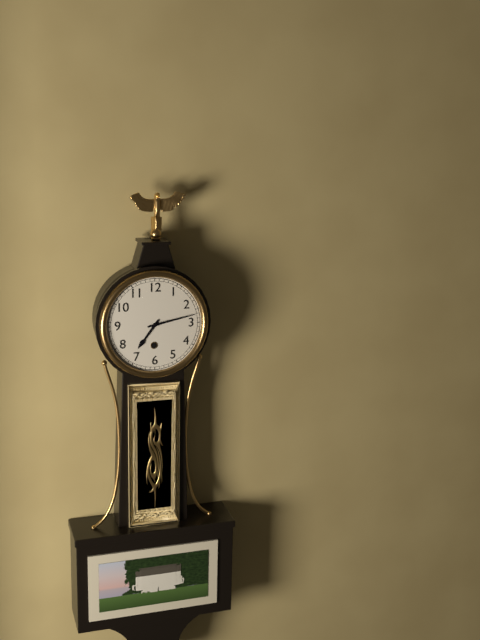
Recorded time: 7:13
